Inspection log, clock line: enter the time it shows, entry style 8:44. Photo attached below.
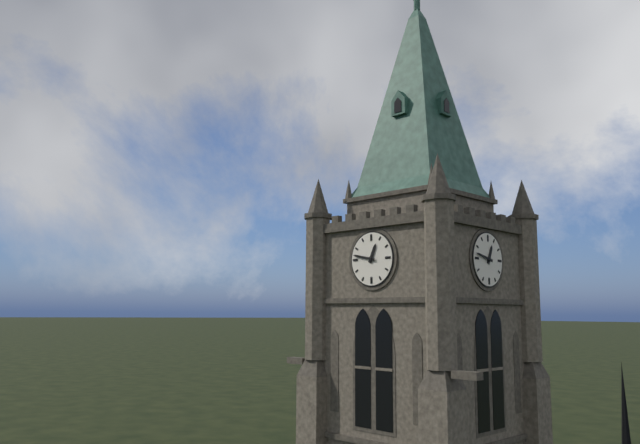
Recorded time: 12:47
